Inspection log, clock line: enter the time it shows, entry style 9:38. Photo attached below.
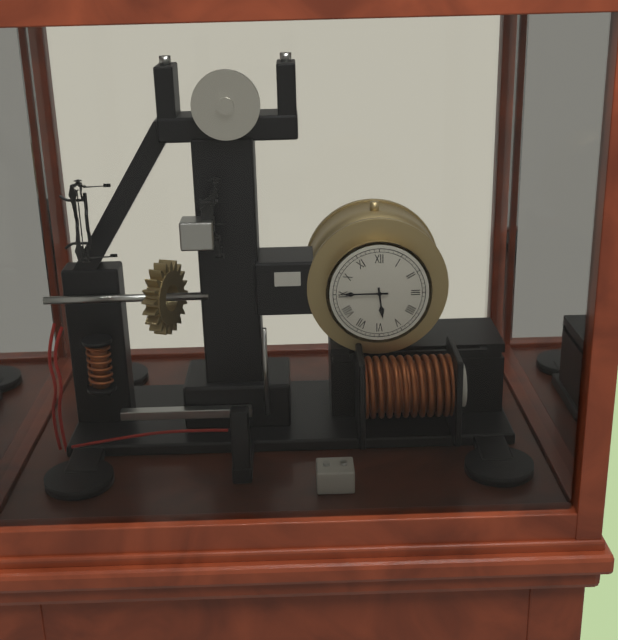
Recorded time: 5:45
